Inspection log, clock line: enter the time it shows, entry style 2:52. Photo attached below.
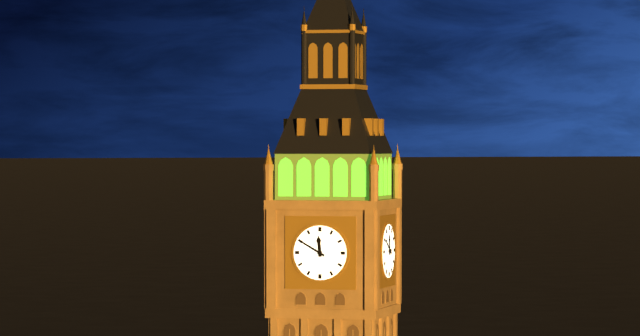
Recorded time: 11:50
